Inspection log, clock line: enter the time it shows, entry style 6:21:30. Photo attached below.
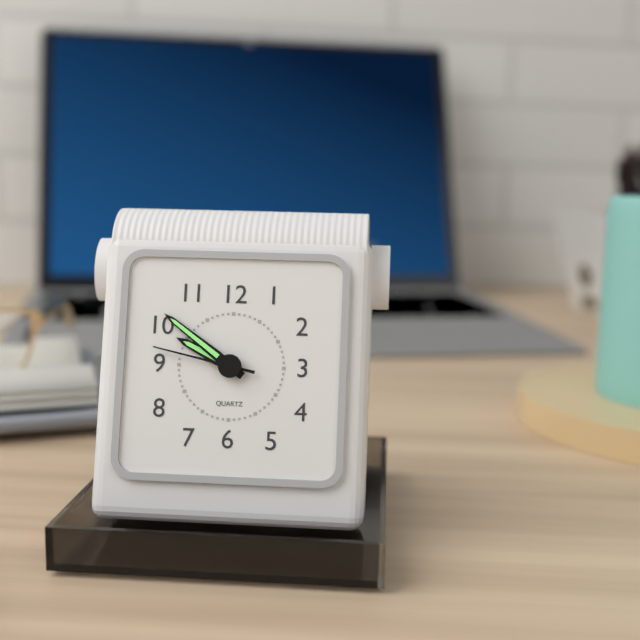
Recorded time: 9:51:47
